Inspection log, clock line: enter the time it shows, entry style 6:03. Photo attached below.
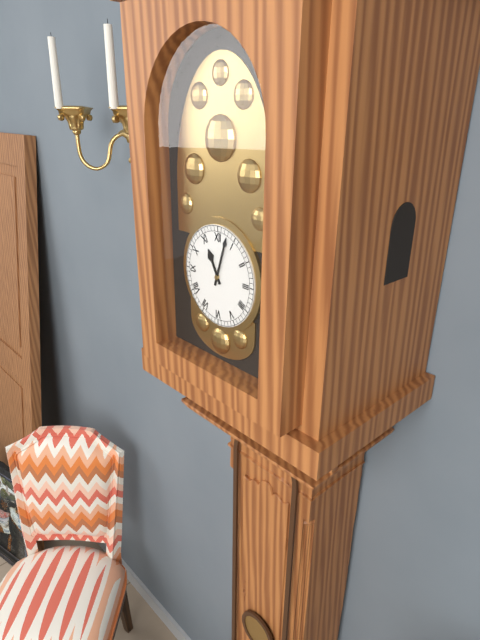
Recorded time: 11:03
